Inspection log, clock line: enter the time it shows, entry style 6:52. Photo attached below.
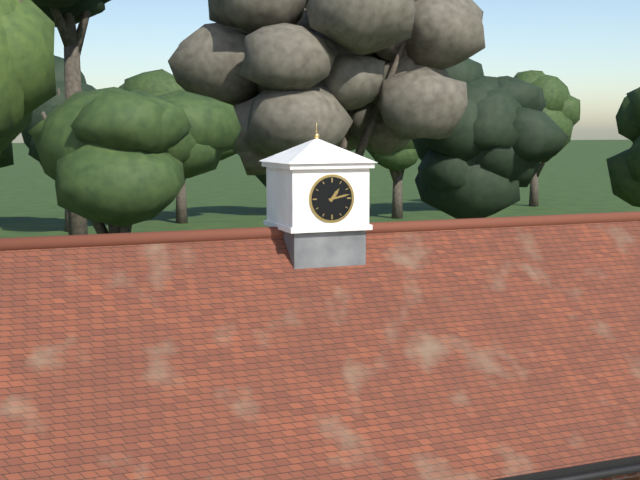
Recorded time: 1:13
